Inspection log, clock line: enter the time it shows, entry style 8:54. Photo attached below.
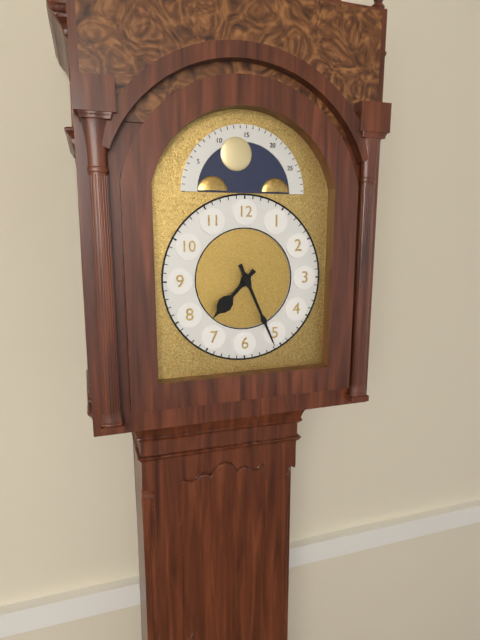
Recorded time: 7:26
